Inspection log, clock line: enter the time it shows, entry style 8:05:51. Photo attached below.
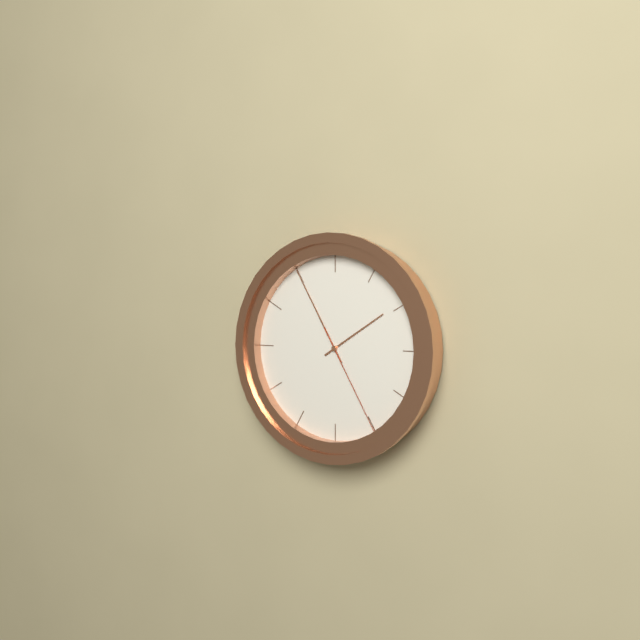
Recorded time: 1:55:25
